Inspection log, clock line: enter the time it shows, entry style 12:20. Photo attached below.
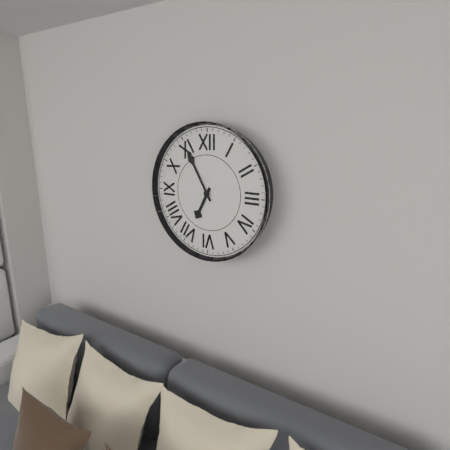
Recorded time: 6:55
